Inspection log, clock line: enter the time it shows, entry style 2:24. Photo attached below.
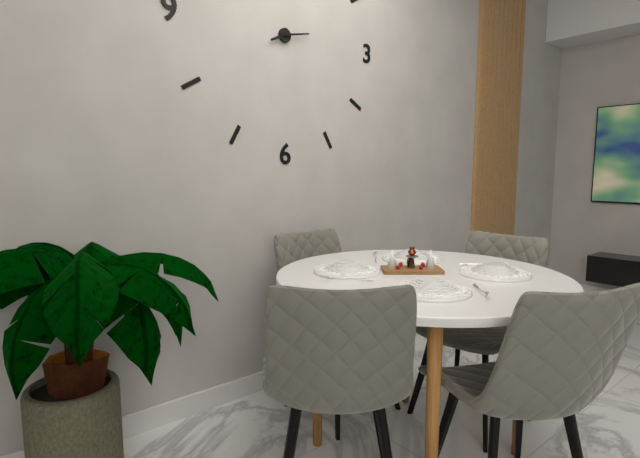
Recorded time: 8:13
